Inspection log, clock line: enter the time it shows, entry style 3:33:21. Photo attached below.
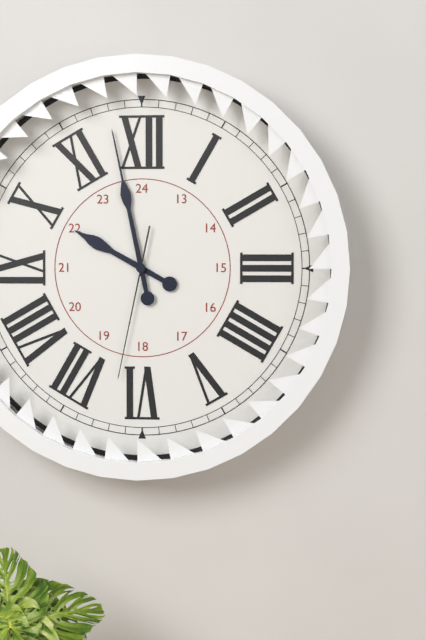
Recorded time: 9:58:32
